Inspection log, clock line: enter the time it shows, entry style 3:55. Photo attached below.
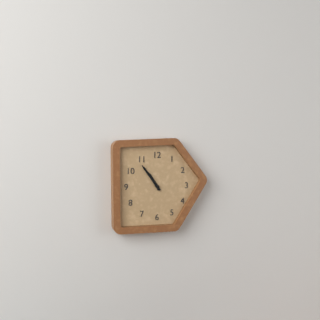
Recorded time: 10:54
